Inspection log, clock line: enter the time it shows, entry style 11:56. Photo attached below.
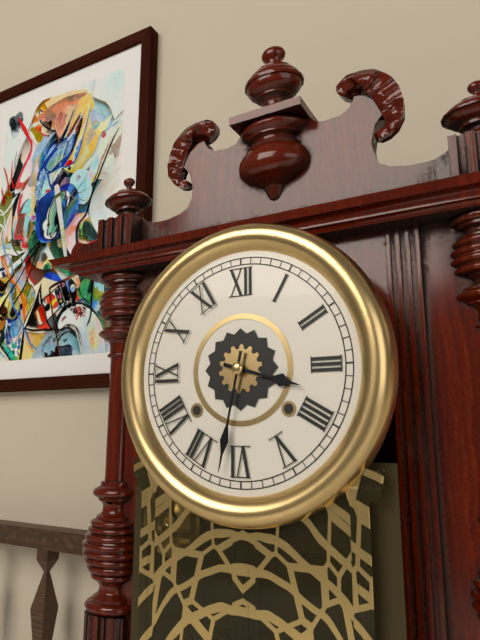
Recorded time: 3:32
